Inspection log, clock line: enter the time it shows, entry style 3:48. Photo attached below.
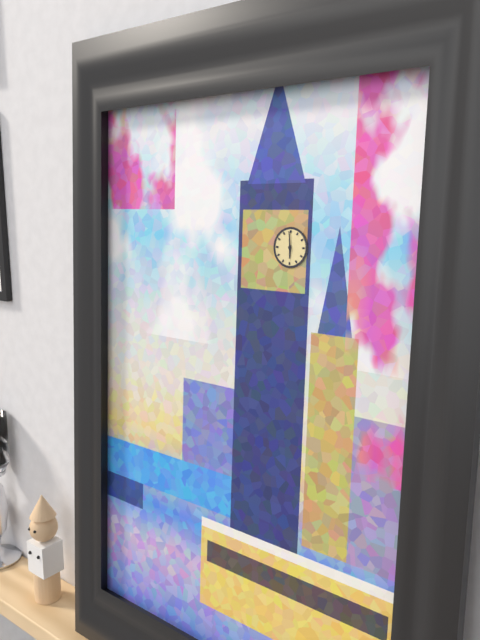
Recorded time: 5:59
